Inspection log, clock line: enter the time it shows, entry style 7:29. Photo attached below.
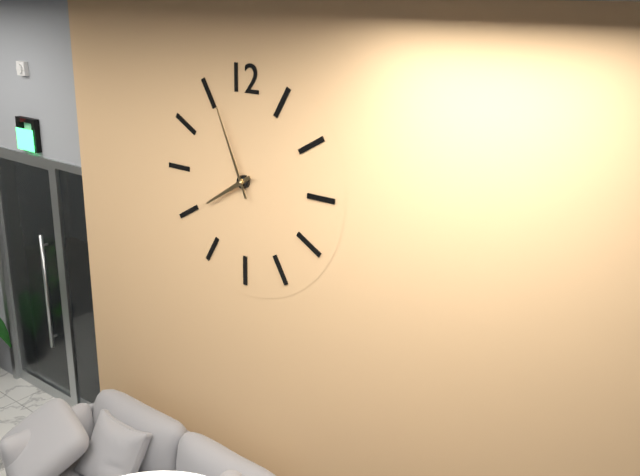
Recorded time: 7:56
